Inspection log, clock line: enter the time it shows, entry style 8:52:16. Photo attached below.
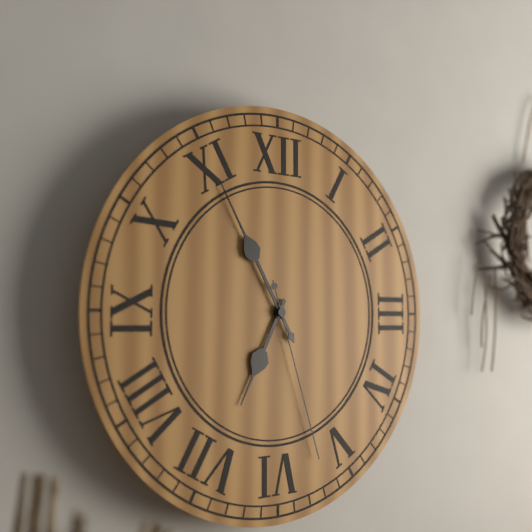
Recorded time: 6:55:27
